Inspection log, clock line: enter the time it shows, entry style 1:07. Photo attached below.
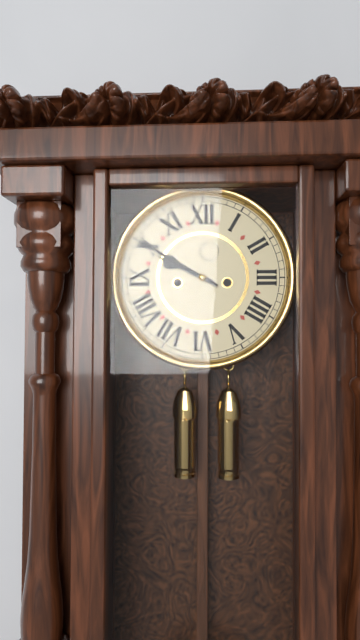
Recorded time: 9:50
